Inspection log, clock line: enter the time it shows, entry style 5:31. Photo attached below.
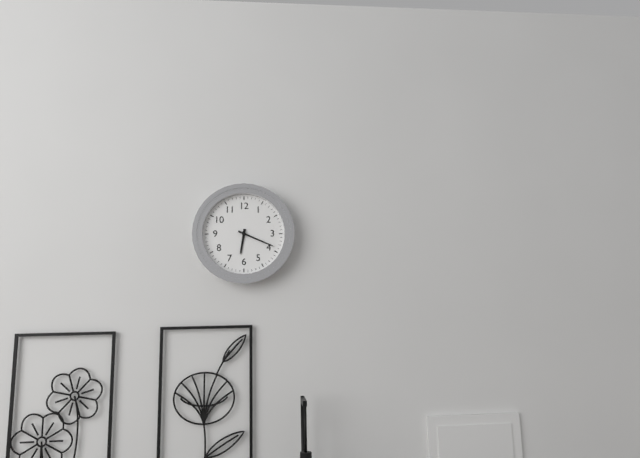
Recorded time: 6:19
